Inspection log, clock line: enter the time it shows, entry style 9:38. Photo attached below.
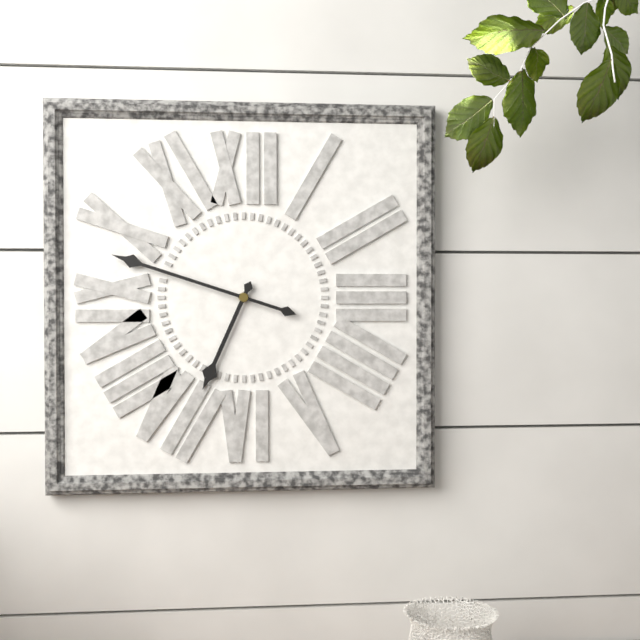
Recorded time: 6:48
